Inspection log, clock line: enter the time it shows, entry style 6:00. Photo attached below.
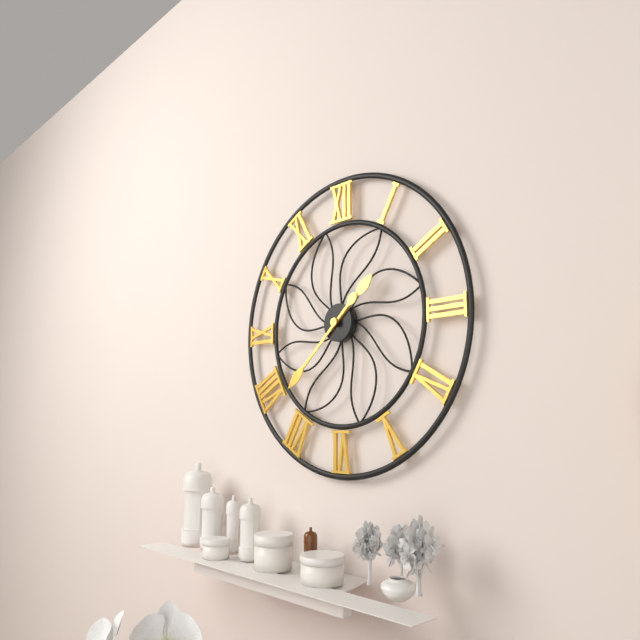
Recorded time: 1:38
